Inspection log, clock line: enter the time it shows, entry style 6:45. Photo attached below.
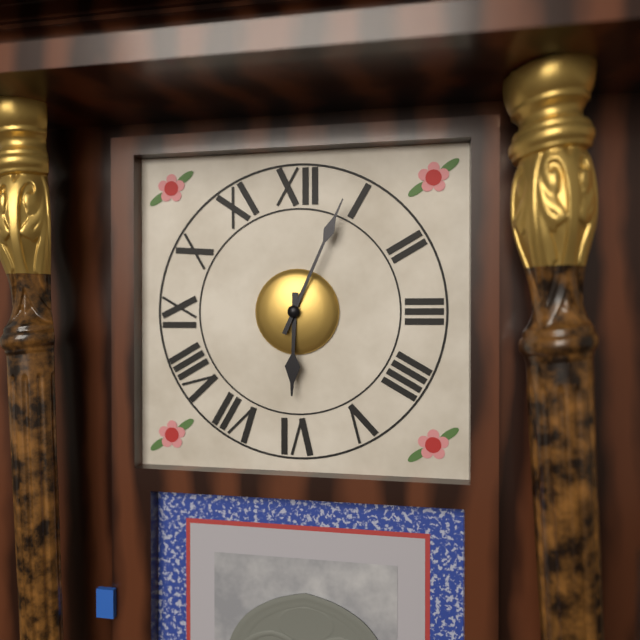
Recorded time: 6:04
